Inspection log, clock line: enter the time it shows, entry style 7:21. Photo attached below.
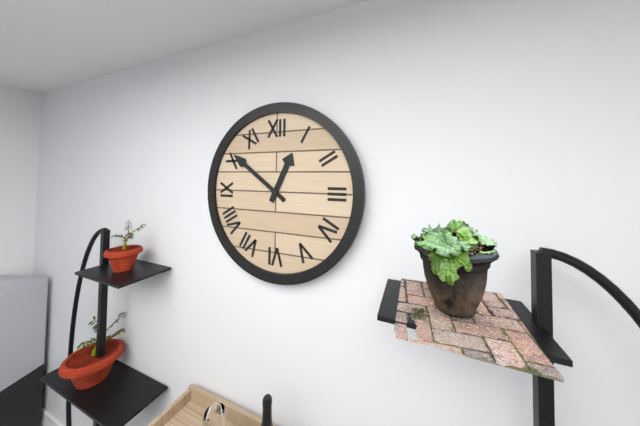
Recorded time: 12:51
